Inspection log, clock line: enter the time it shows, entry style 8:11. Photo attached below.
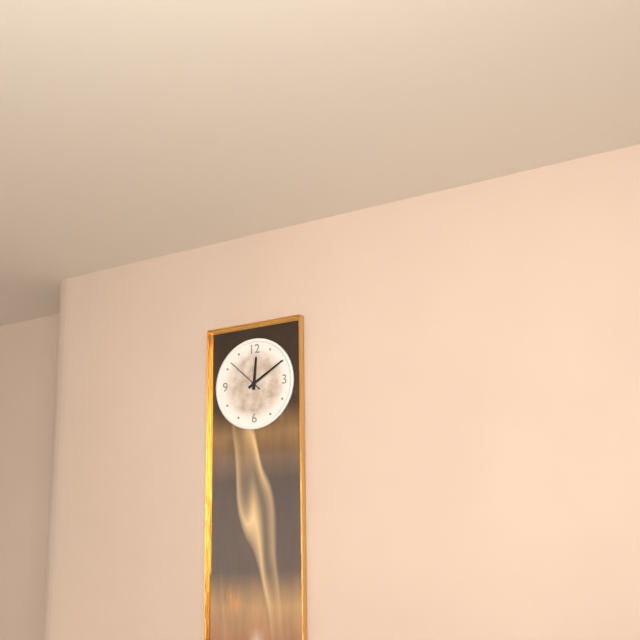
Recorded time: 12:10
